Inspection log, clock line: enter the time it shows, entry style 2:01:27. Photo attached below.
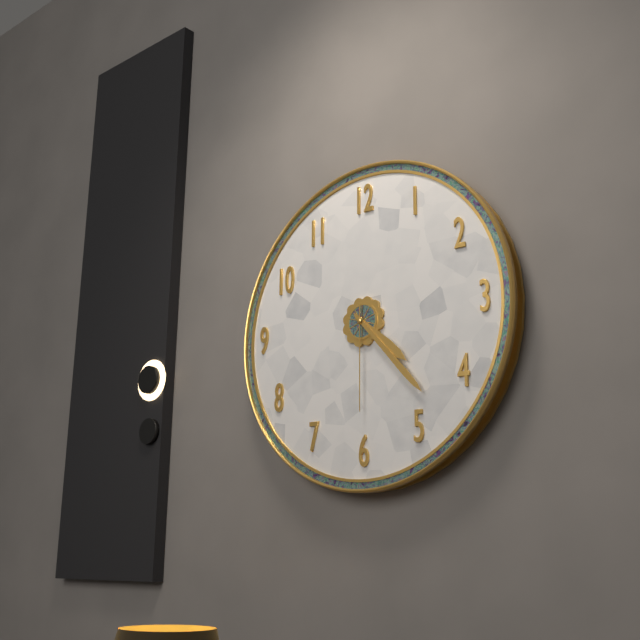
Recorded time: 4:23:30
